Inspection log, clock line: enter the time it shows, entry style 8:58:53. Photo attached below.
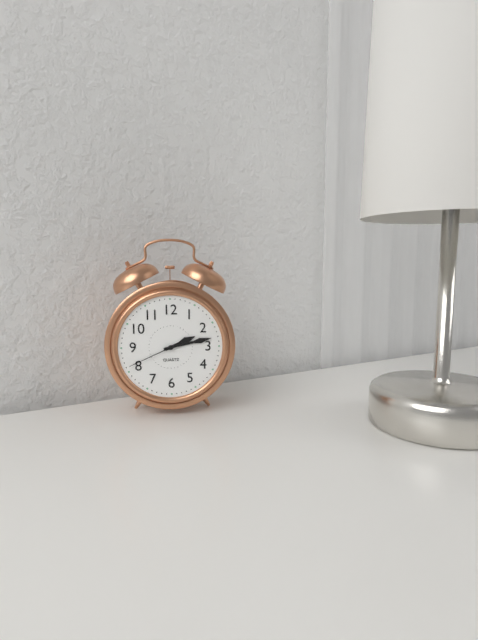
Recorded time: 2:13:41
